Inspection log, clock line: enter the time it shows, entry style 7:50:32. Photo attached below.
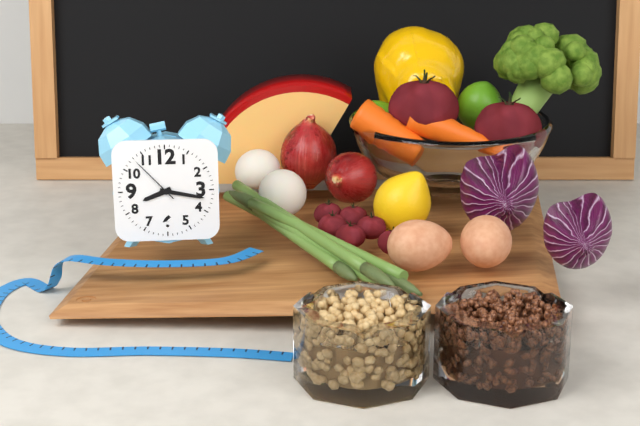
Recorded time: 8:17:53
